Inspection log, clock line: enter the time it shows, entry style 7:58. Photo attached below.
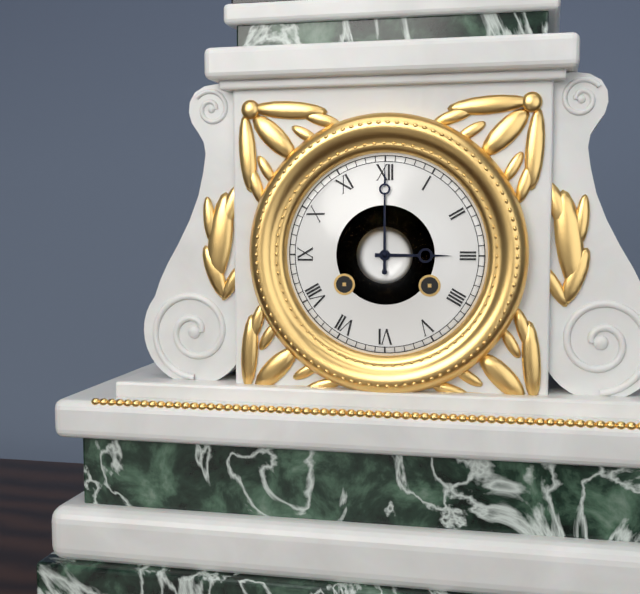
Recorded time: 3:00
